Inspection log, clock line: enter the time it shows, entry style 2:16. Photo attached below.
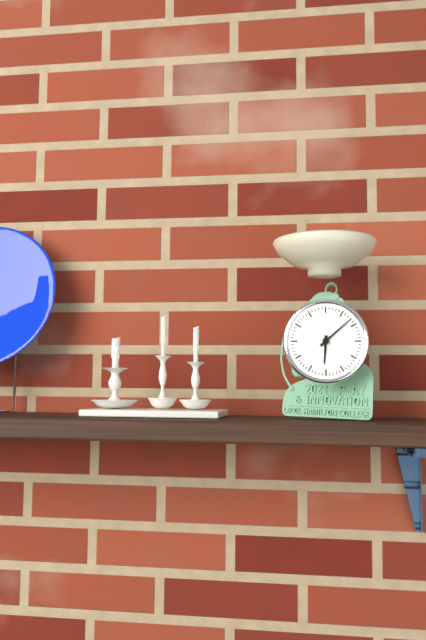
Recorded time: 6:08
